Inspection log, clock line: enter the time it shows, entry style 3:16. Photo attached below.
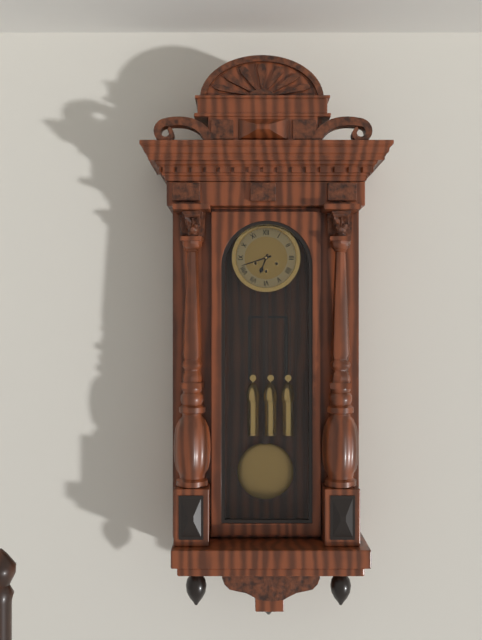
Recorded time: 6:42
